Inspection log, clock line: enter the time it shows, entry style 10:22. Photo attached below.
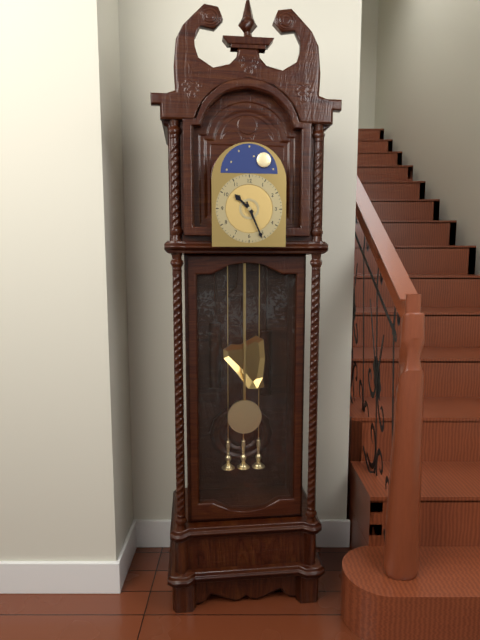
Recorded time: 10:26
